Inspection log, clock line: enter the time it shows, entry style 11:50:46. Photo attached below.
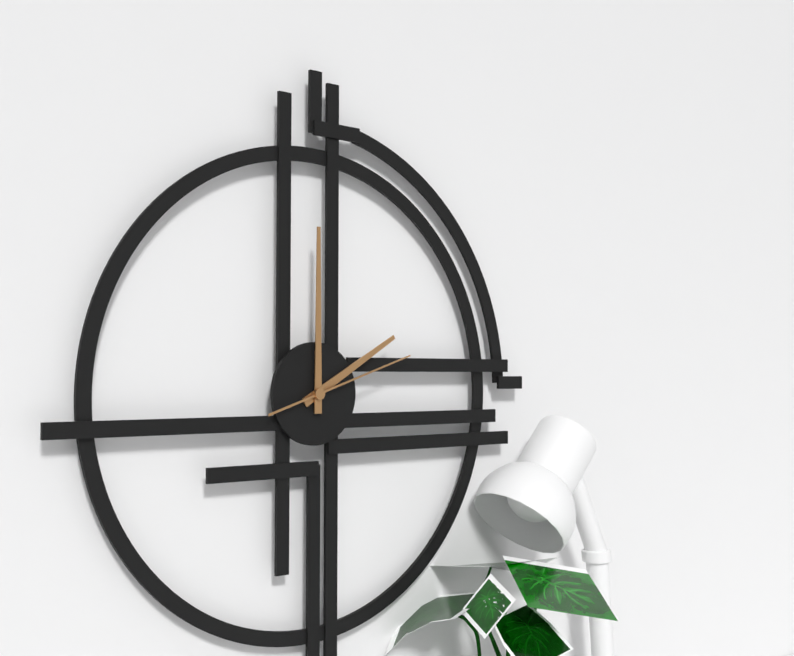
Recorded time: 2:00:12
